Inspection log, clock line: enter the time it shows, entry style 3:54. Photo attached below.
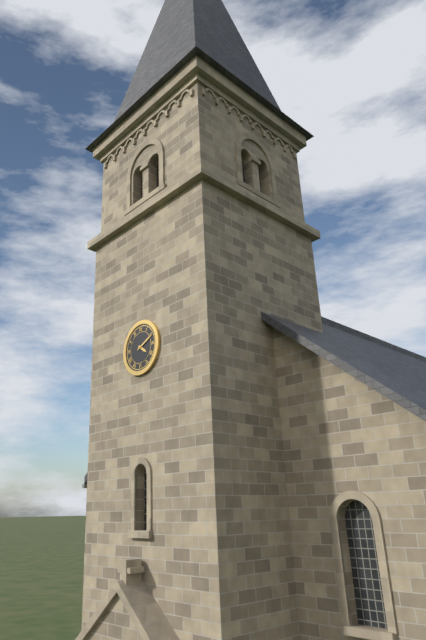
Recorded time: 4:11
